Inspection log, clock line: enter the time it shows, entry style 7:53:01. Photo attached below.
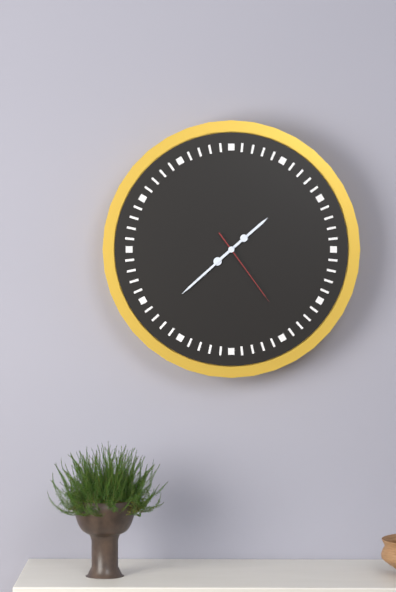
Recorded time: 1:38:24
